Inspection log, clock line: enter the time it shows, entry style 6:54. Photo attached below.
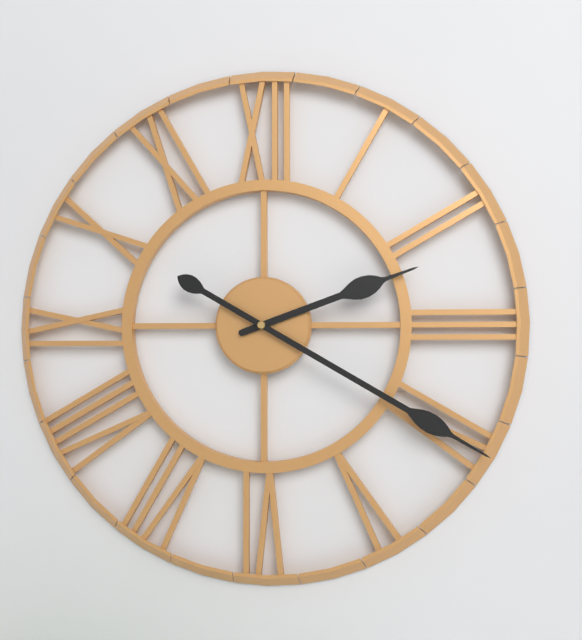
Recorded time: 2:20
